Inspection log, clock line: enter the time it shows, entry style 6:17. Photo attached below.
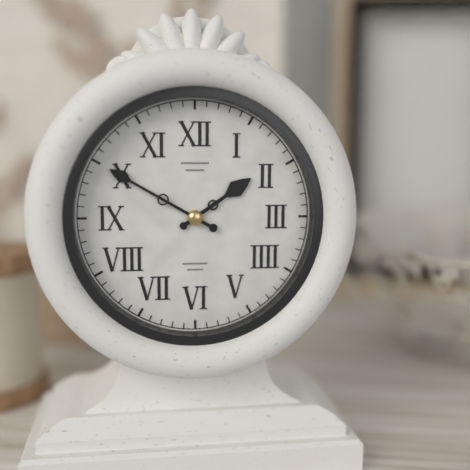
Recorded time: 1:50
